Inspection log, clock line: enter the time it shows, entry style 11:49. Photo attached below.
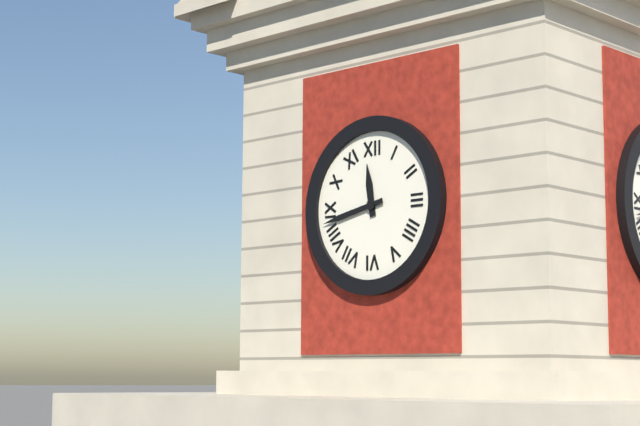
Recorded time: 11:43
